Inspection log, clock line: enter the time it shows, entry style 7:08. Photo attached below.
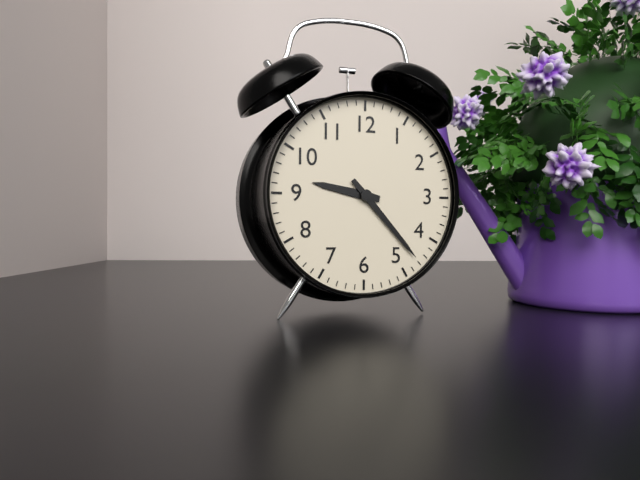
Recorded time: 9:23
